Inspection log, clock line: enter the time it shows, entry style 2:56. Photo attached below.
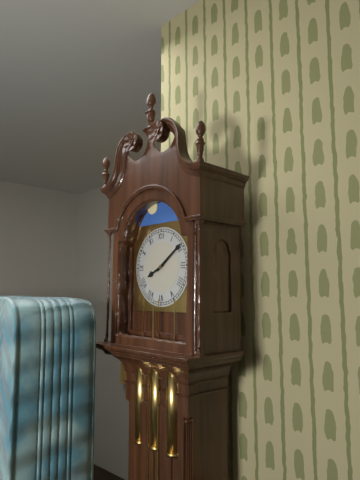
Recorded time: 8:09
